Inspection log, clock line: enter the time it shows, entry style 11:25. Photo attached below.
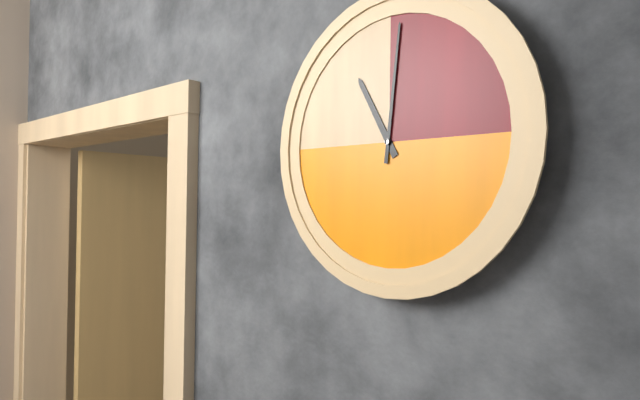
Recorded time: 11:01
